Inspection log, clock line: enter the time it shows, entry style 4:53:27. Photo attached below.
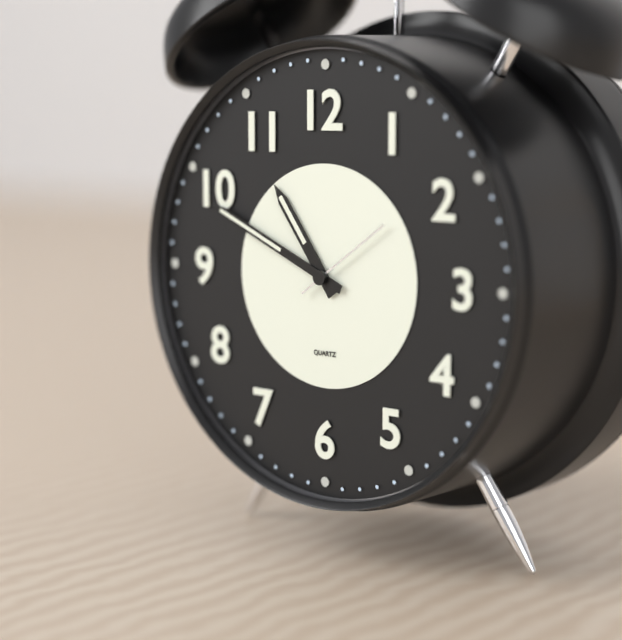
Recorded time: 10:49:09
